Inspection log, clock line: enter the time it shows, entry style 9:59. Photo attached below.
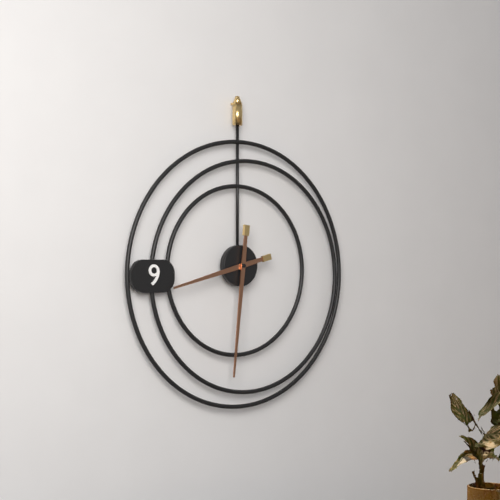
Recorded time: 8:31
